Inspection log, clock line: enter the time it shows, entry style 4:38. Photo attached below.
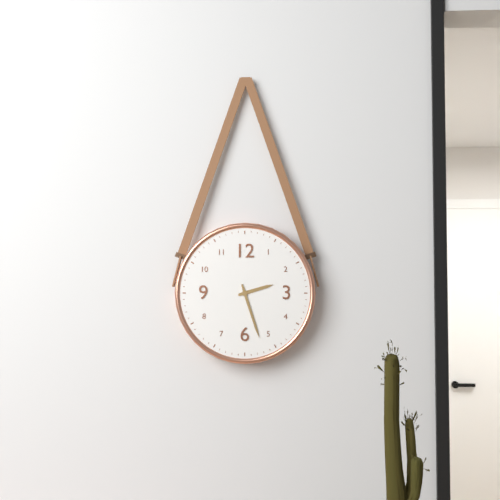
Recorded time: 2:27
